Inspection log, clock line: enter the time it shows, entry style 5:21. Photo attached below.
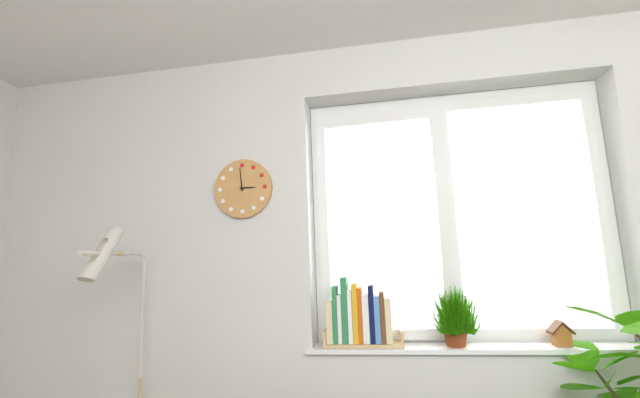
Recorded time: 2:59
